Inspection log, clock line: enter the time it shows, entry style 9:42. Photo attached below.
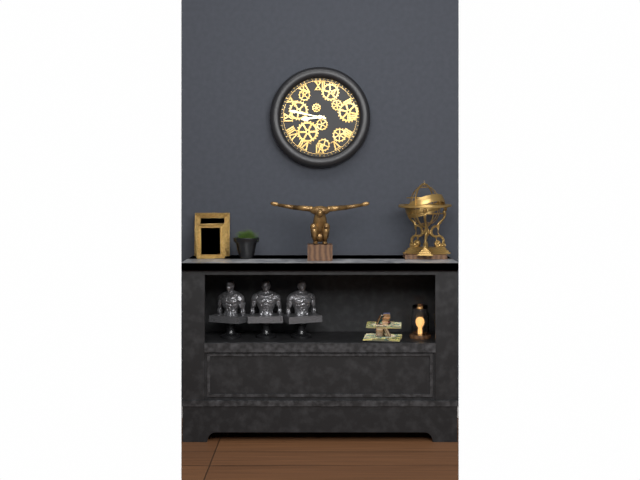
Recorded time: 8:47
